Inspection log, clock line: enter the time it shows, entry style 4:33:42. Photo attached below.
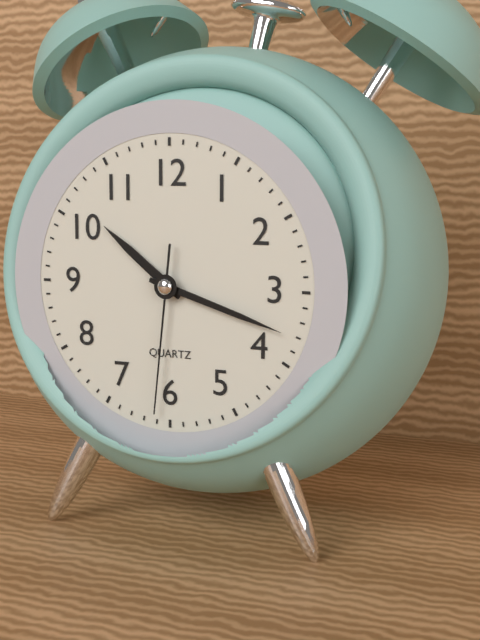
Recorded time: 10:18:31
